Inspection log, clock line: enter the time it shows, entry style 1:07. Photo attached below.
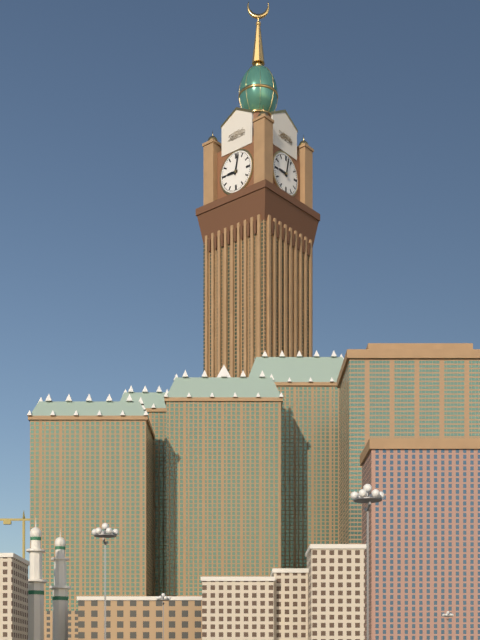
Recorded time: 9:02
